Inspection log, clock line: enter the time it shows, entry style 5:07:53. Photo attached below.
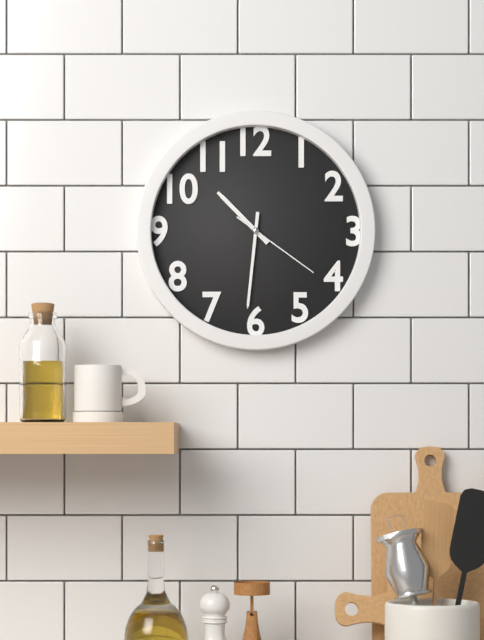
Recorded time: 10:31:21
